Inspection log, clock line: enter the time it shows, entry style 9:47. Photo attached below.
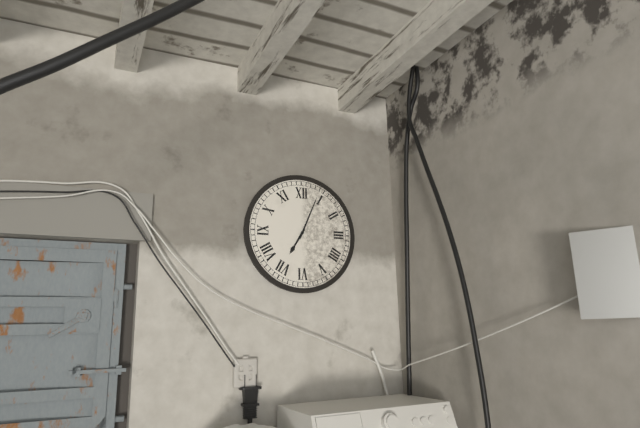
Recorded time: 7:04
